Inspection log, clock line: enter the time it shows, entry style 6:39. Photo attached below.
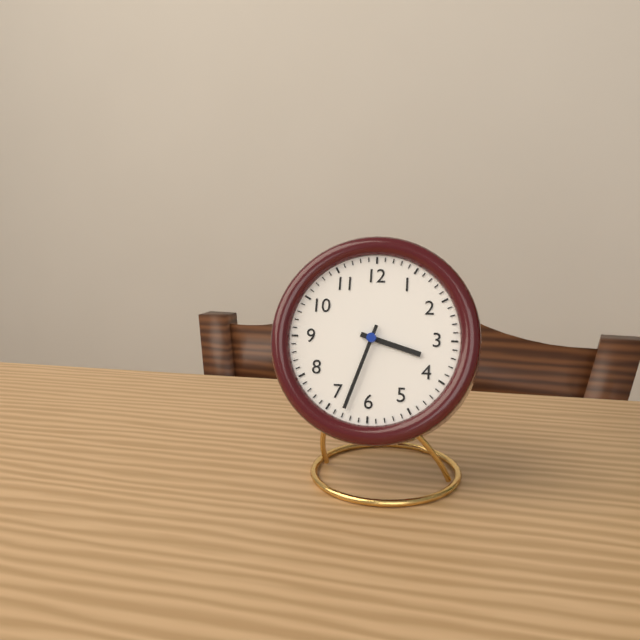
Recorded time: 3:33
